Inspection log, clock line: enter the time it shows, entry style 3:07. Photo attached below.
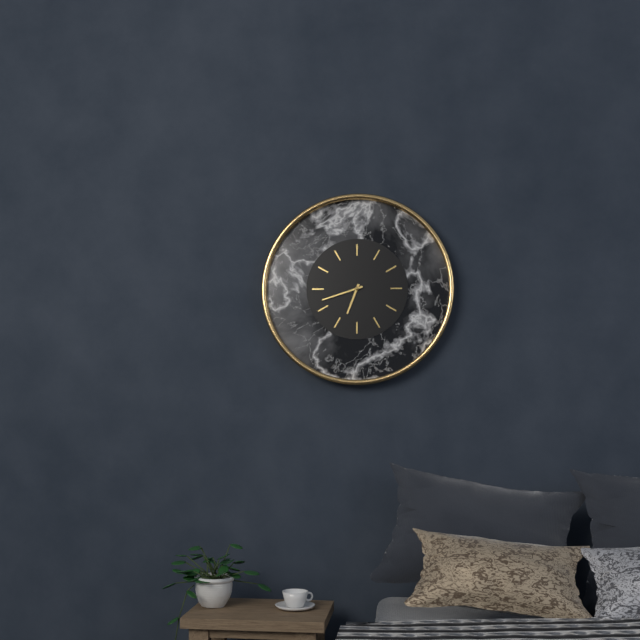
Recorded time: 6:42
